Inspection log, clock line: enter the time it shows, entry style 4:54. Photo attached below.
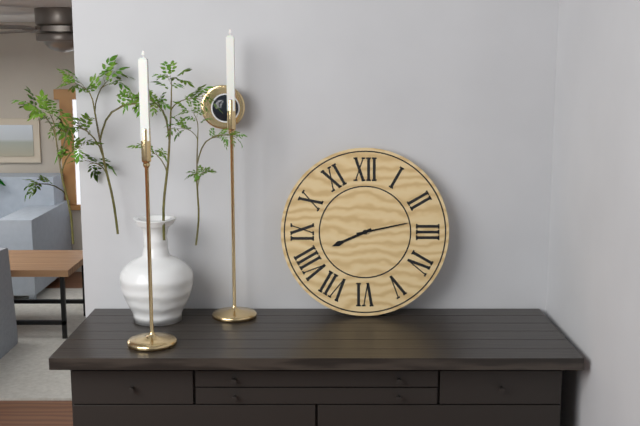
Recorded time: 8:13
